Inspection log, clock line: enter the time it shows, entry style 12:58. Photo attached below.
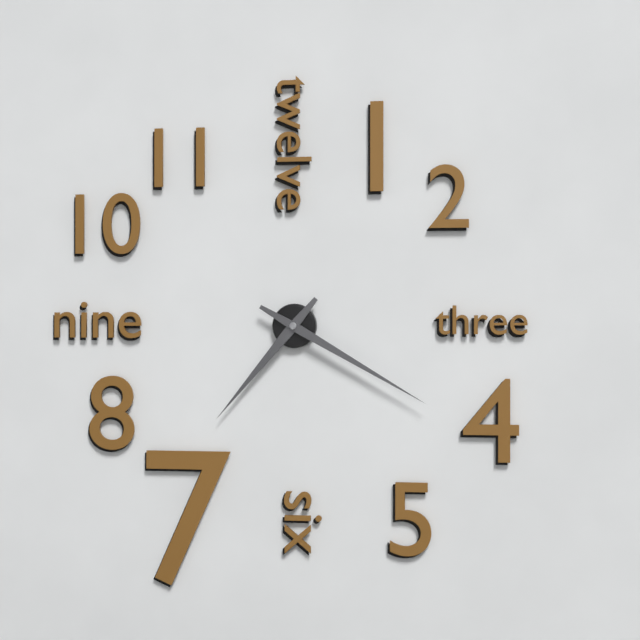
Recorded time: 7:20
